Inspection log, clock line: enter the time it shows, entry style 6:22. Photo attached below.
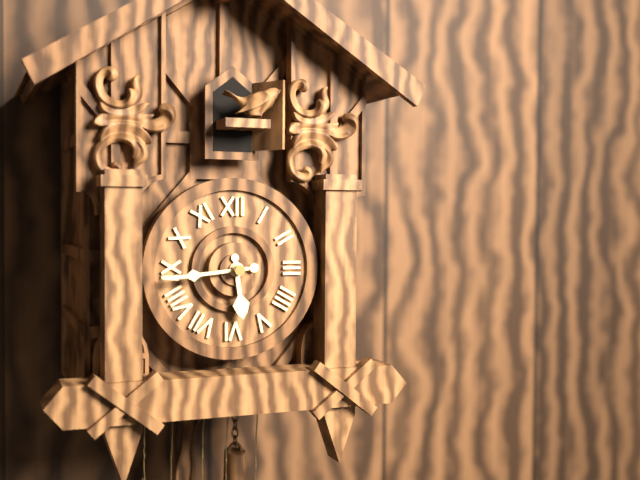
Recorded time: 5:44
